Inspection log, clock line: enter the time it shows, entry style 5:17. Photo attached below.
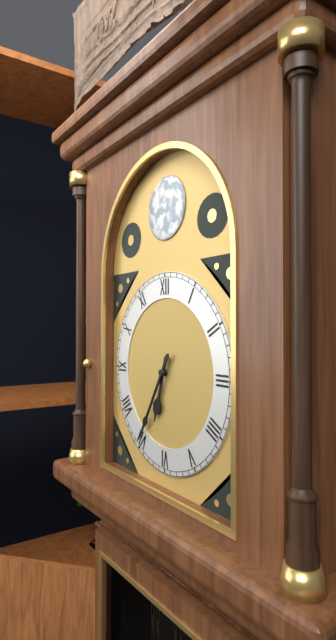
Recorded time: 6:35
